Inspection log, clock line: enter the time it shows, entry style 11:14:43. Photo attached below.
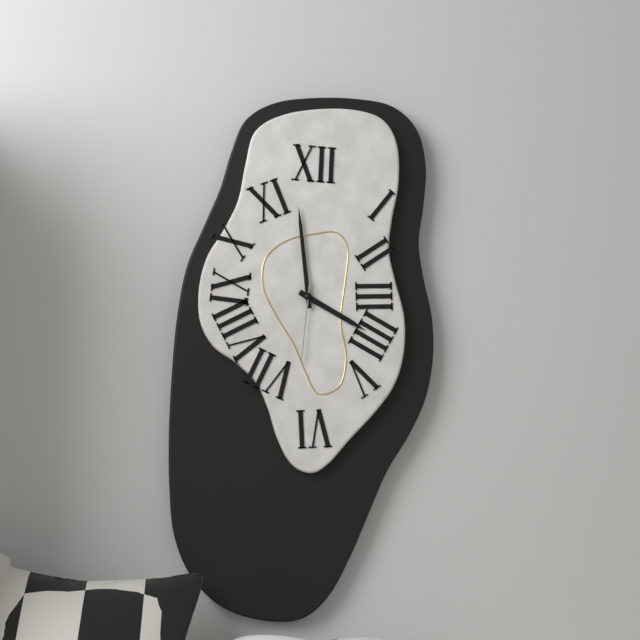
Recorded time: 3:59:31
